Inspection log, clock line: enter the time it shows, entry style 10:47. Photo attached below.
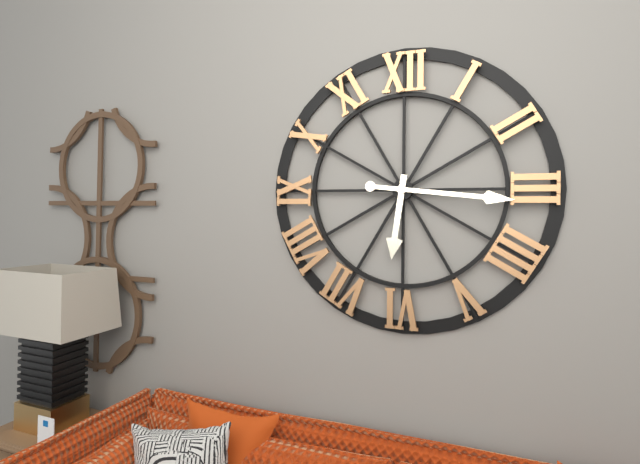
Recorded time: 6:16
